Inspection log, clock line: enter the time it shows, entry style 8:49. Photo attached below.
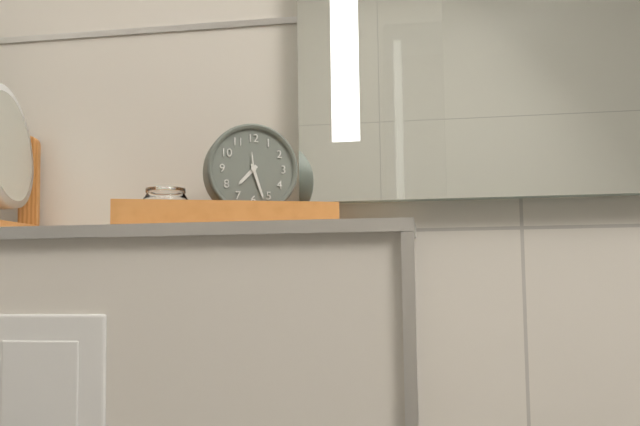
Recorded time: 7:27
